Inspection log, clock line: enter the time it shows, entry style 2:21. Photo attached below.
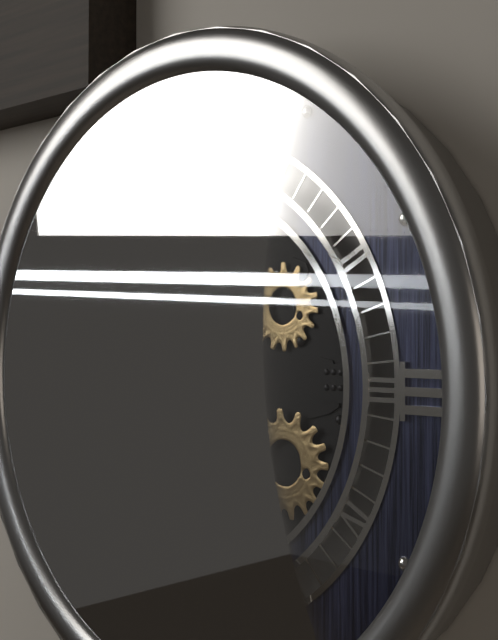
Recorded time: 12:24
